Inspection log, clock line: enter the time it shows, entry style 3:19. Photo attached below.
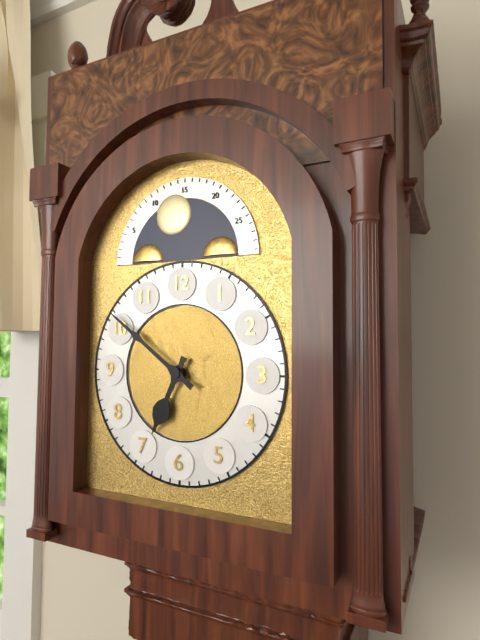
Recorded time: 6:51
